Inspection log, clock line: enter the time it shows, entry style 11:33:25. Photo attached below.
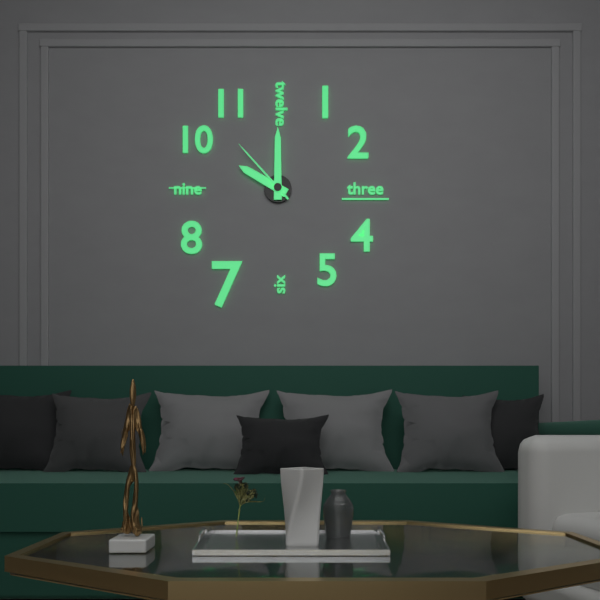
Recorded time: 10:00:53
